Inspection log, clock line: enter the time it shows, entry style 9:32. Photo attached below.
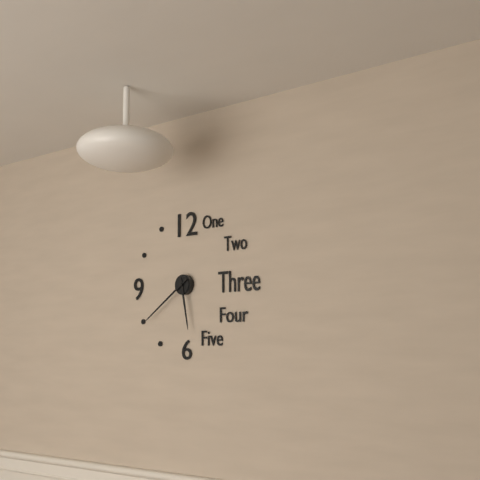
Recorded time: 5:39
